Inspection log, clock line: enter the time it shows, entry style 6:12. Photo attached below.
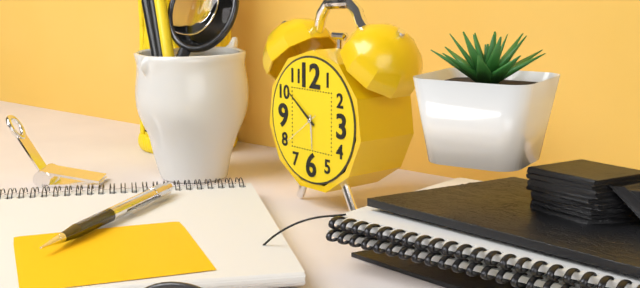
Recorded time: 5:51
